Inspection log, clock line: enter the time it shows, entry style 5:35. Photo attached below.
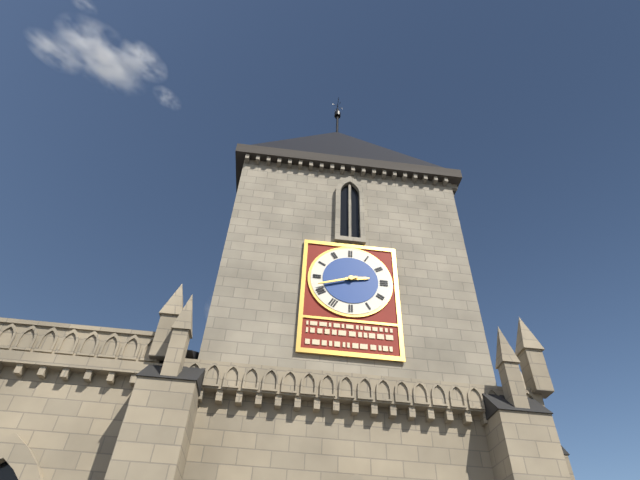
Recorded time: 2:42
